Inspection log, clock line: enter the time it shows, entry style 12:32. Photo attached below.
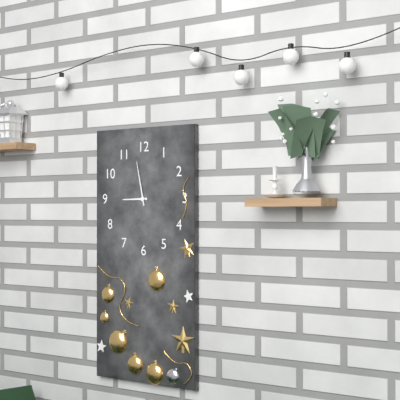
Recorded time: 8:58
